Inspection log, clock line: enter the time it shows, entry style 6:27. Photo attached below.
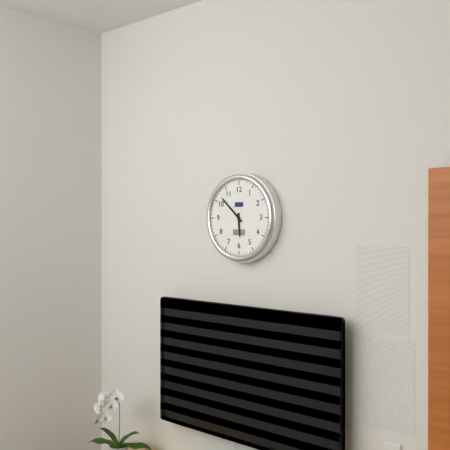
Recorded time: 5:52
